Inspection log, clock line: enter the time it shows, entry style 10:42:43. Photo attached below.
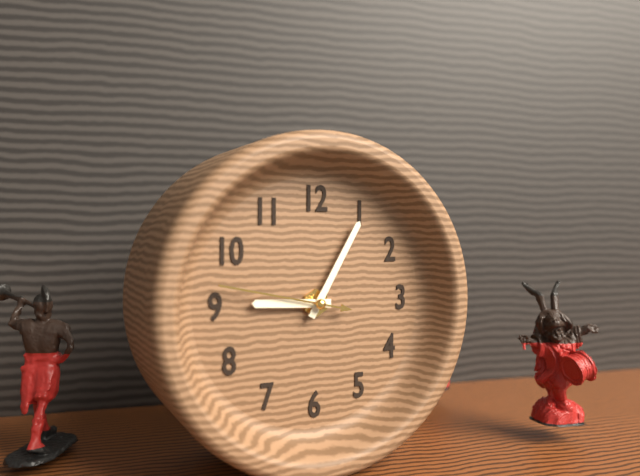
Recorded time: 9:05:47
